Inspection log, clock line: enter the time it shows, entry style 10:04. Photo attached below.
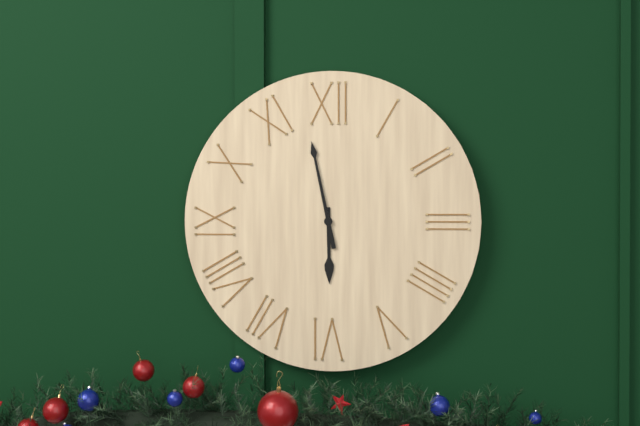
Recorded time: 5:58
